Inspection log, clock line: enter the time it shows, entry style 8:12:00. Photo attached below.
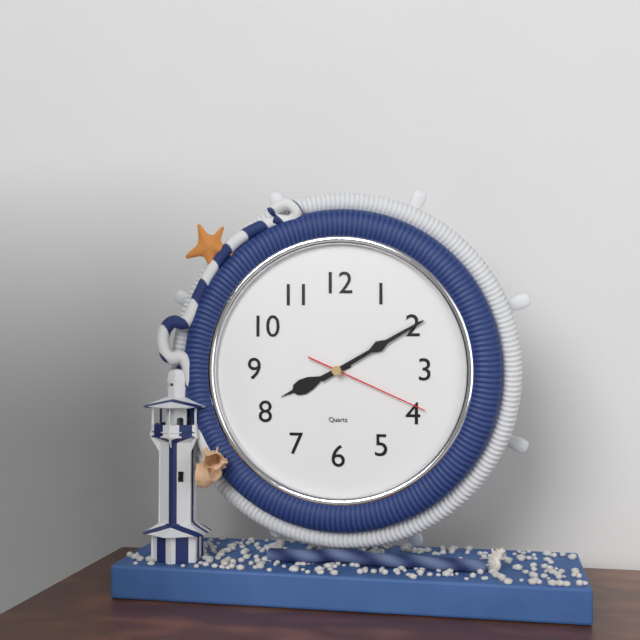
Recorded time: 8:10:19
